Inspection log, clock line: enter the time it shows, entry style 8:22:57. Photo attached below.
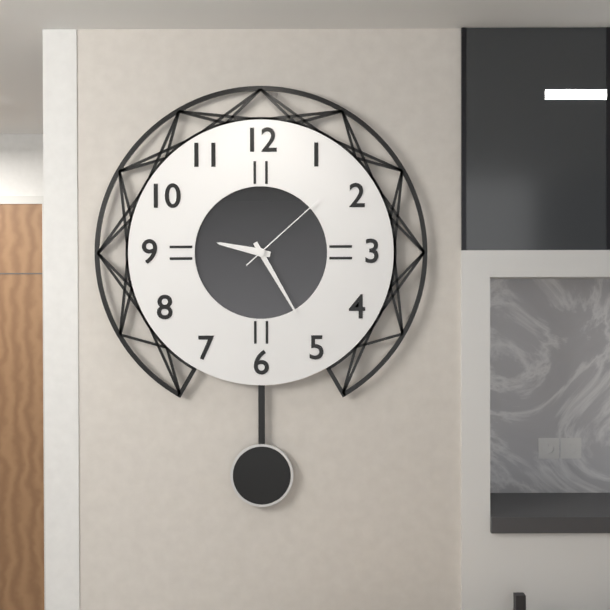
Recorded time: 9:25:08
